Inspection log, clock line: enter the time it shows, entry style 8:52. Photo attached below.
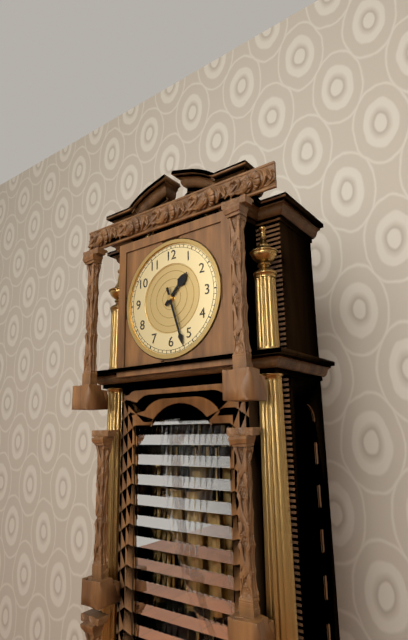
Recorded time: 1:27
